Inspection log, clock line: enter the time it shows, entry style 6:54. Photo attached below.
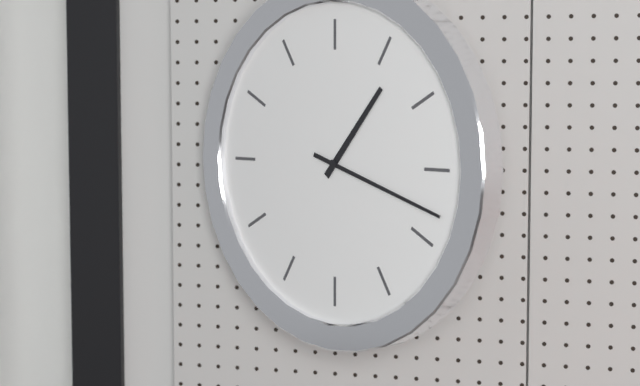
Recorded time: 1:18
